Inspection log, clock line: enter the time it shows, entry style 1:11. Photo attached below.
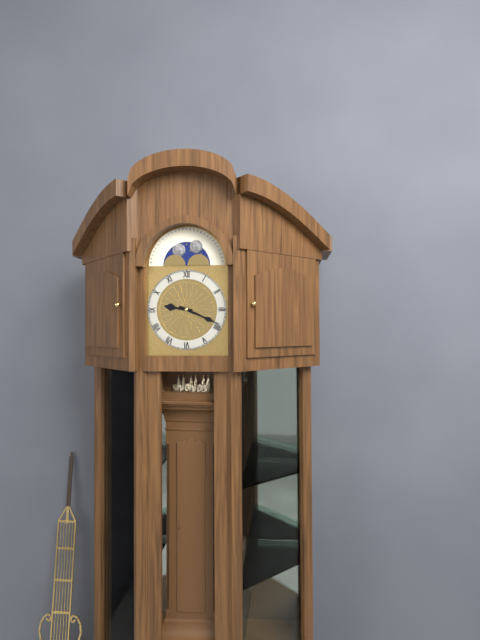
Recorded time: 9:19
